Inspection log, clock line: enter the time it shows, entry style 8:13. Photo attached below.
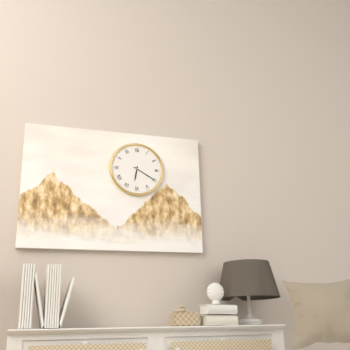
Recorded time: 6:20
